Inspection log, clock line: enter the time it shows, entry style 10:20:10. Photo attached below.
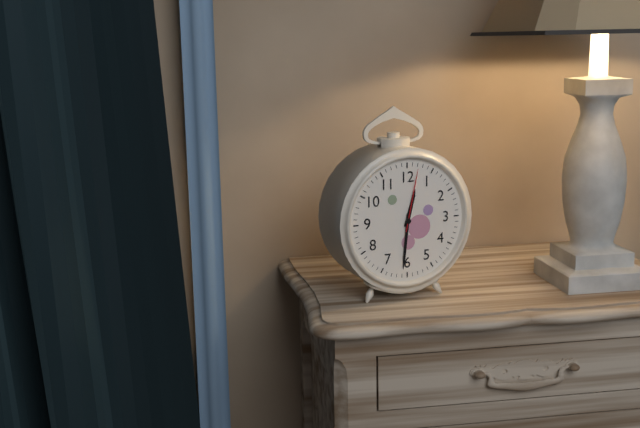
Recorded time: 12:31:02
